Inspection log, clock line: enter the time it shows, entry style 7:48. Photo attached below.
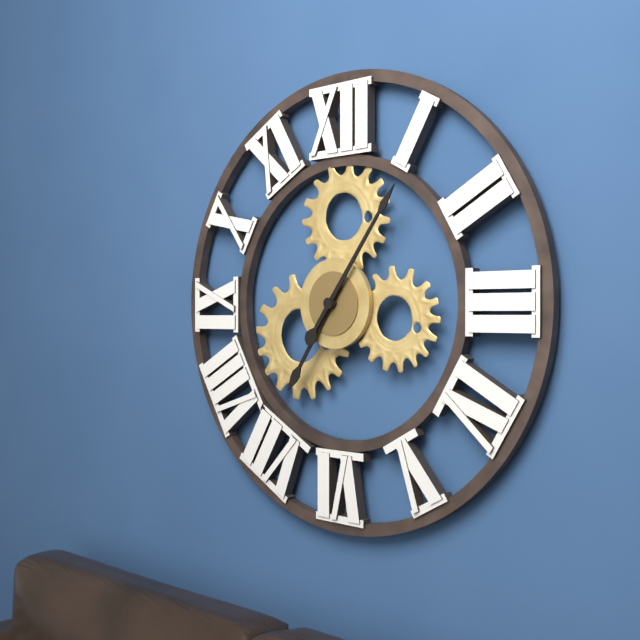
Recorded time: 7:06
